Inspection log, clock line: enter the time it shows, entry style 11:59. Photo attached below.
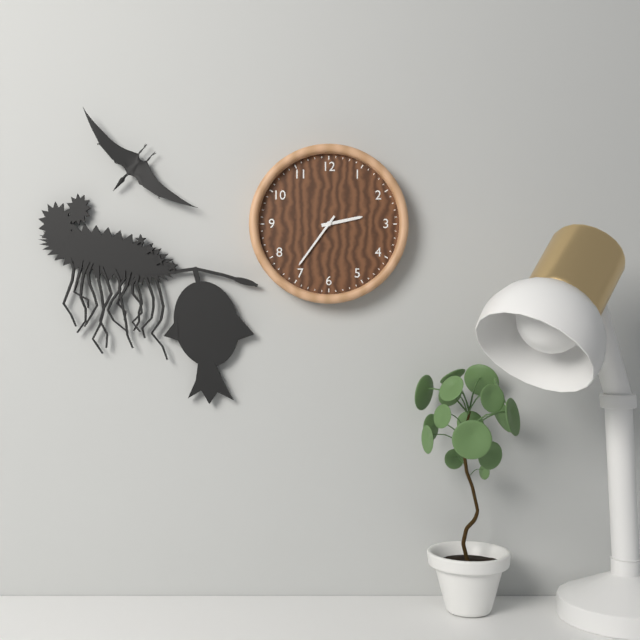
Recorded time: 2:36
